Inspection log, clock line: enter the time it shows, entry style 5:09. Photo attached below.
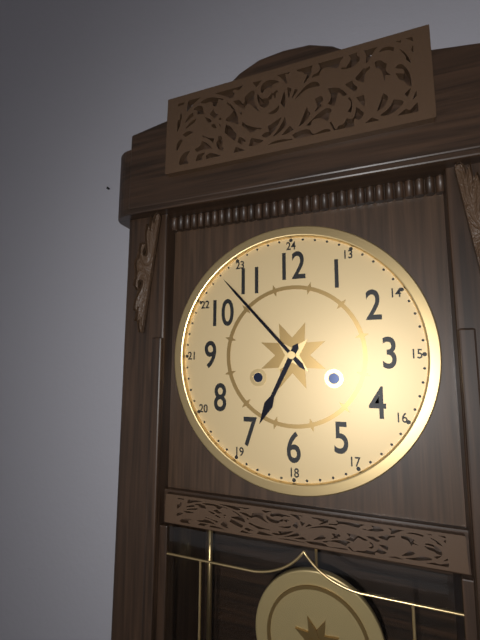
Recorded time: 6:53
